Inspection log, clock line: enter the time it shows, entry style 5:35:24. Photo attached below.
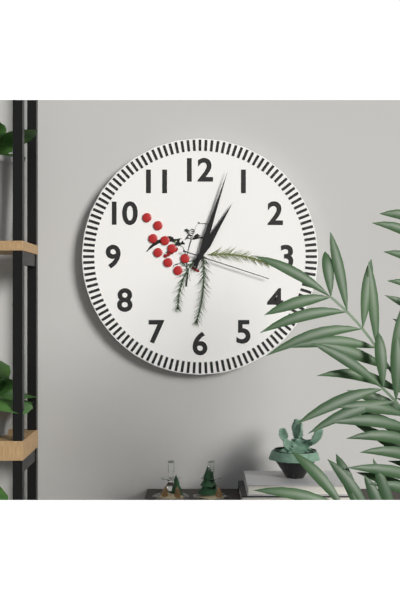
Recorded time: 1:03:18
